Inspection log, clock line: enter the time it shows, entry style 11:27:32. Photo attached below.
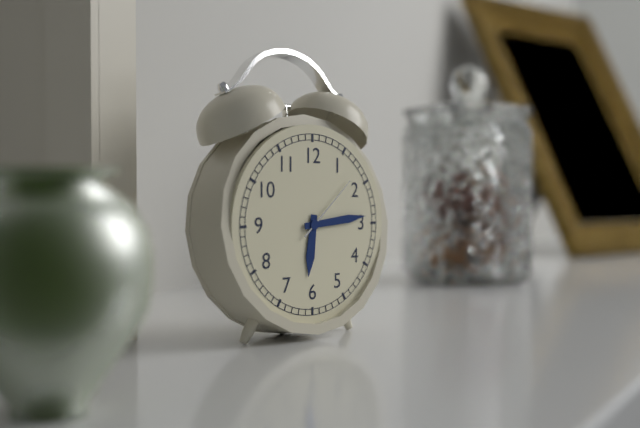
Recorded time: 6:14:08
